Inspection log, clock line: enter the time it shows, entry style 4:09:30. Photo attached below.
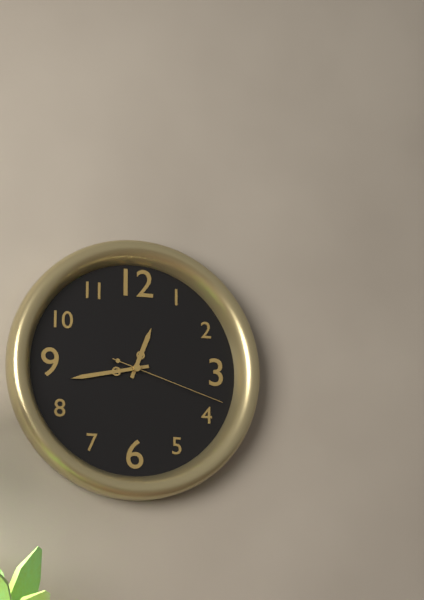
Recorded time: 12:43:18
